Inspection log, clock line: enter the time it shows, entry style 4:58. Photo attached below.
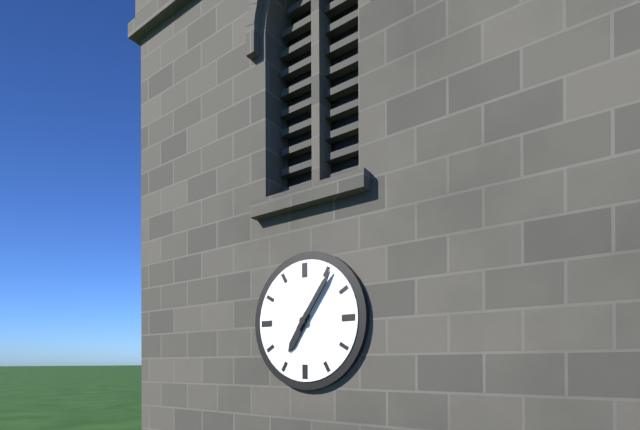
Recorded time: 7:06
